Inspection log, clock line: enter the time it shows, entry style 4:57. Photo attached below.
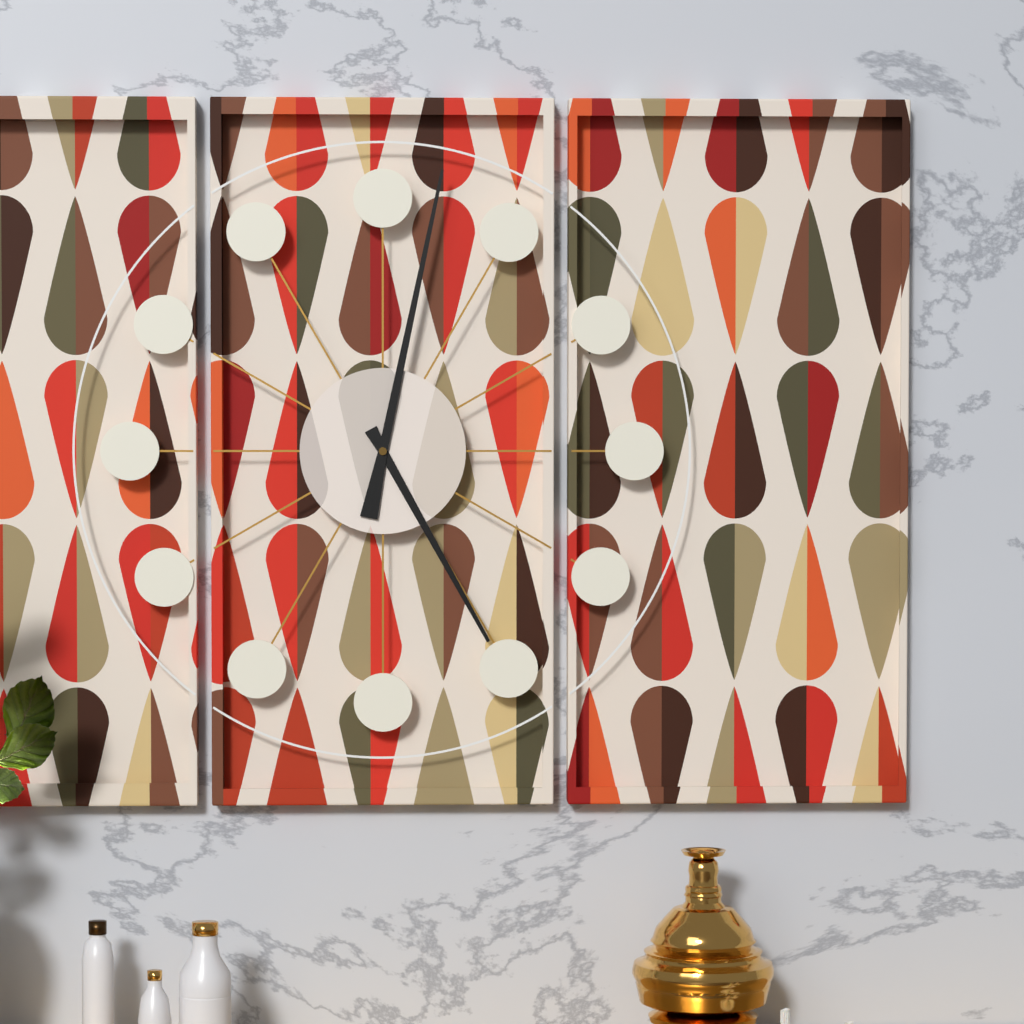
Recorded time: 5:02
